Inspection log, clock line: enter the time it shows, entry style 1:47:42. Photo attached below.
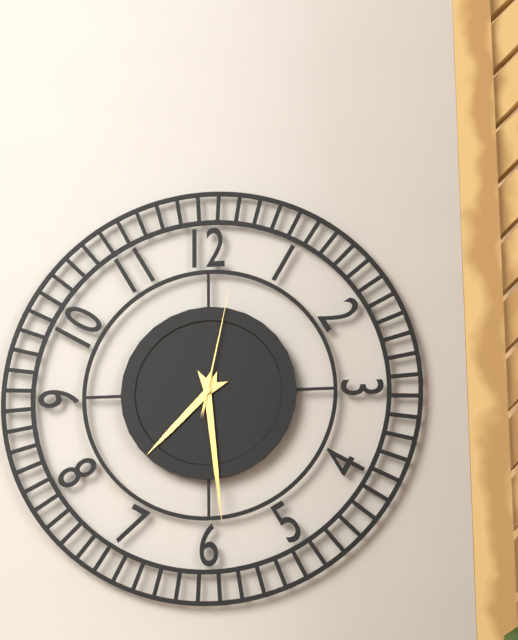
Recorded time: 7:29:02
